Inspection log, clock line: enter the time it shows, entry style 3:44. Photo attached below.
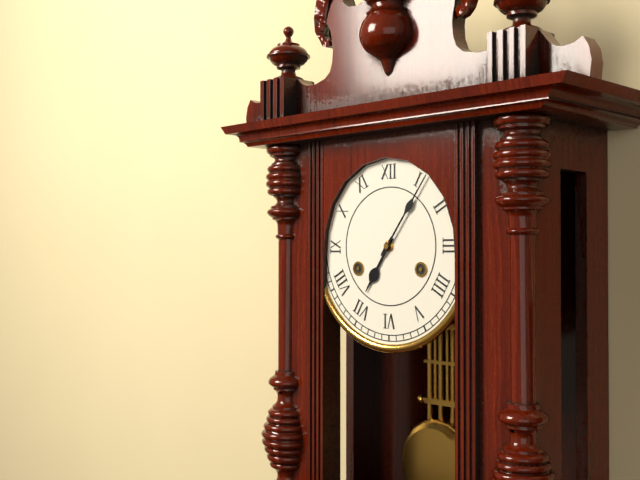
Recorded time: 7:06
